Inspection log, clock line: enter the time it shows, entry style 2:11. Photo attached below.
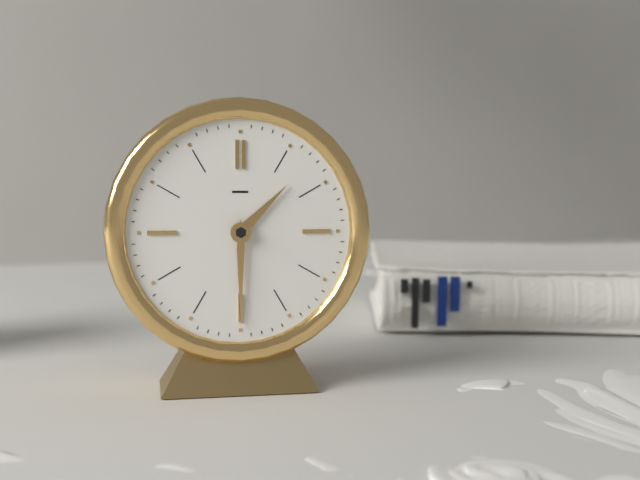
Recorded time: 1:30
